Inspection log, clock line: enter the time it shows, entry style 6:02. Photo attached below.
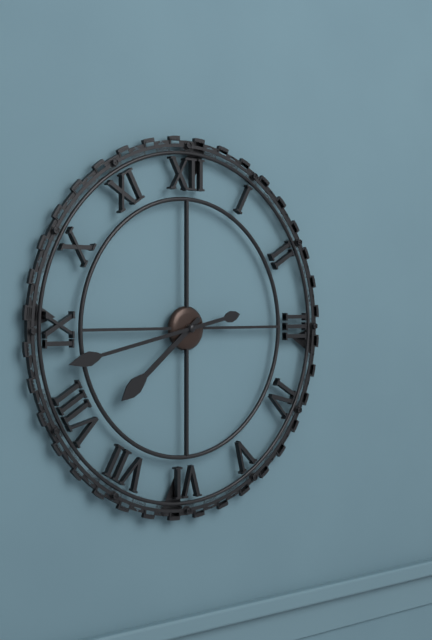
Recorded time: 7:43
